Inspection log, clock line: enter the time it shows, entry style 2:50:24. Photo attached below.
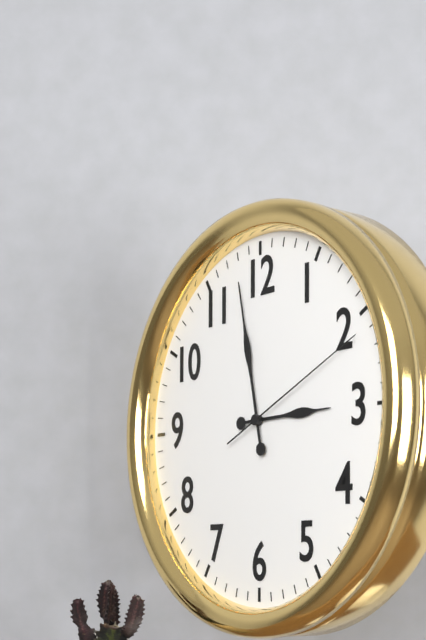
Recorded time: 2:58:11
